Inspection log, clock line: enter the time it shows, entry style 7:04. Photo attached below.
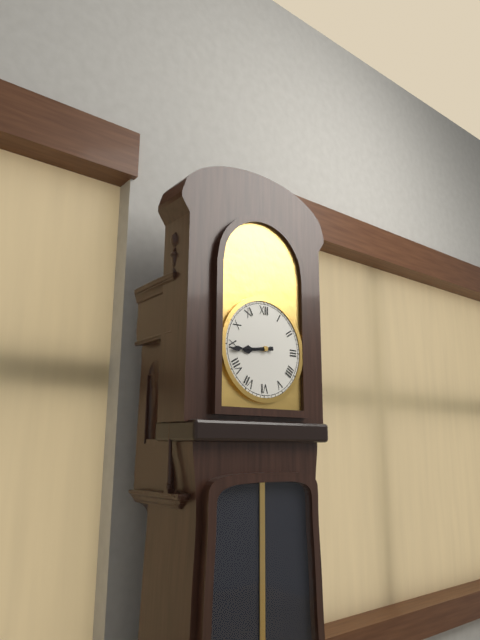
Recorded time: 8:44
